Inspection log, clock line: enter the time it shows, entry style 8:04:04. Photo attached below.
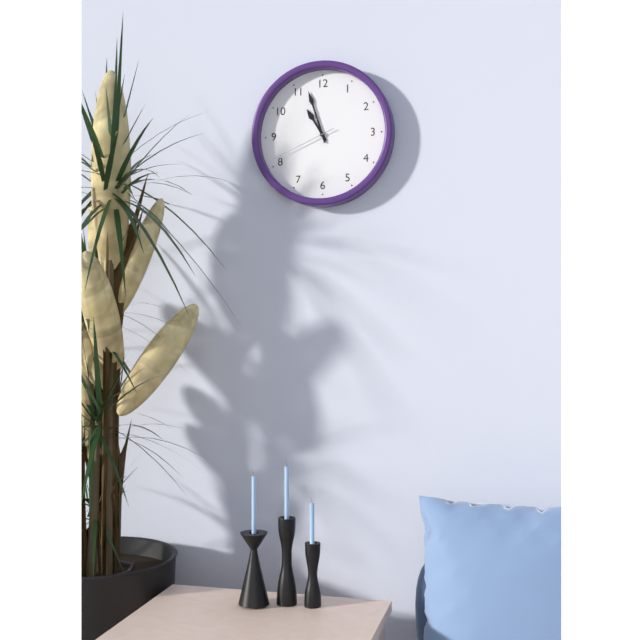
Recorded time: 10:57:41
